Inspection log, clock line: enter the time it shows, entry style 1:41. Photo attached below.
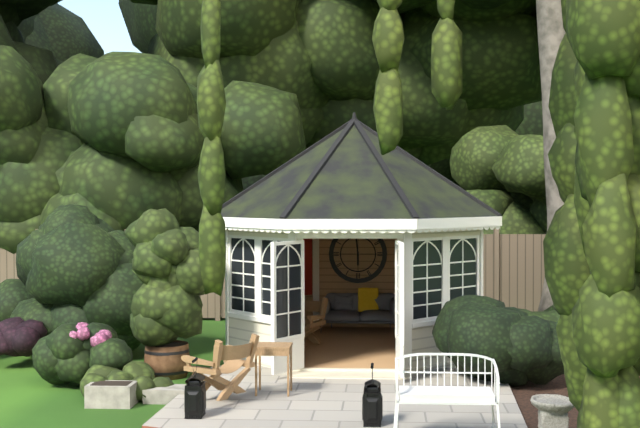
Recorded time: 5:59
